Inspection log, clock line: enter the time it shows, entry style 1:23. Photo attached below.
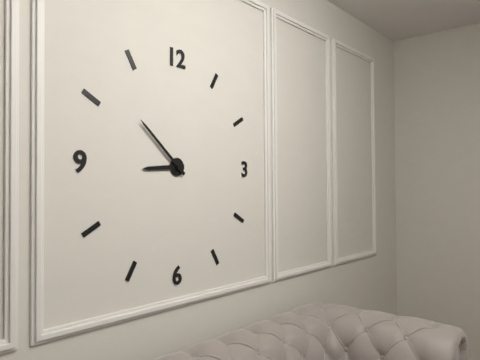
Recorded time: 8:52
